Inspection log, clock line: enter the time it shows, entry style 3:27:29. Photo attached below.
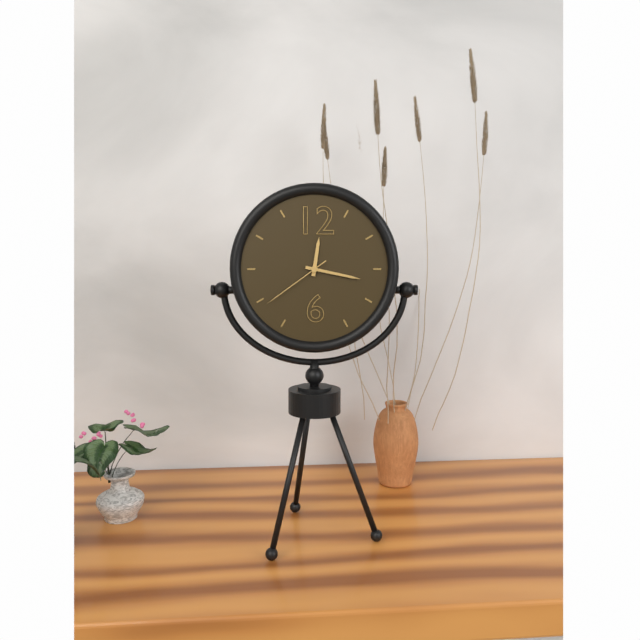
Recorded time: 12:17:39
